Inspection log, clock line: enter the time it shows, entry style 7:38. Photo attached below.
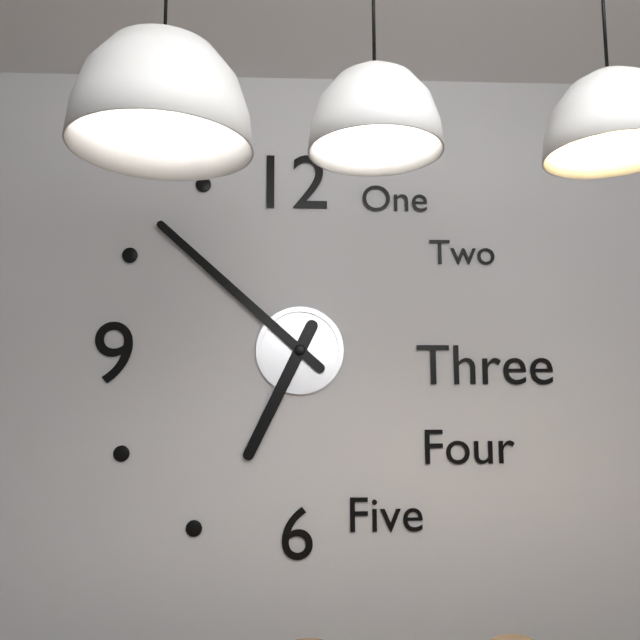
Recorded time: 6:52
